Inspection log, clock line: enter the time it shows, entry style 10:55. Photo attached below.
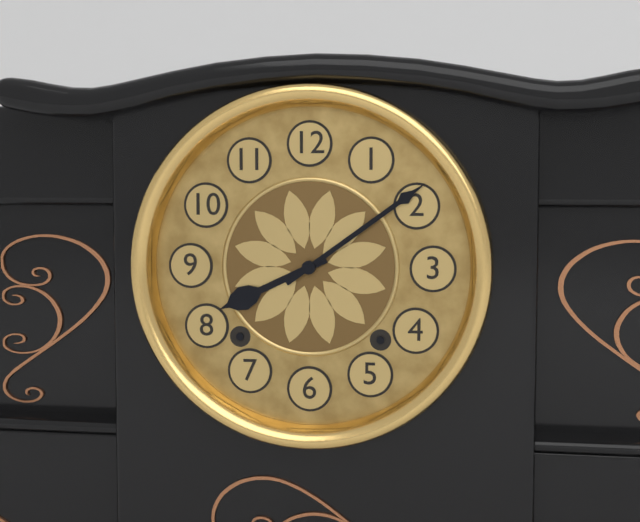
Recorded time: 8:09
